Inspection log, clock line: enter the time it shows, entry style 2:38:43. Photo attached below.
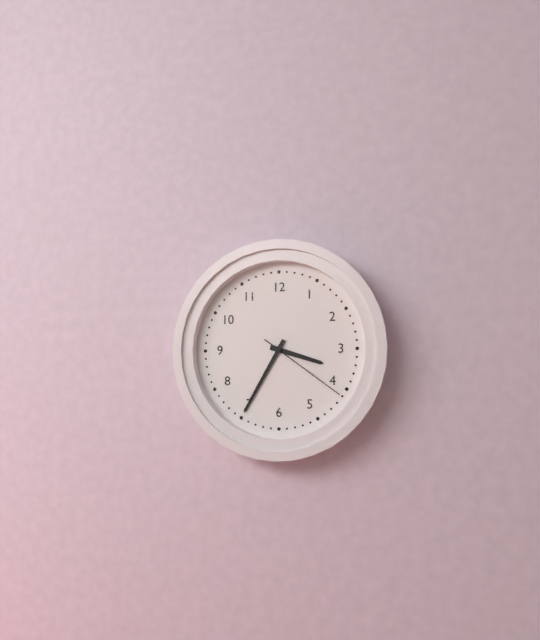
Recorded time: 3:35:21
